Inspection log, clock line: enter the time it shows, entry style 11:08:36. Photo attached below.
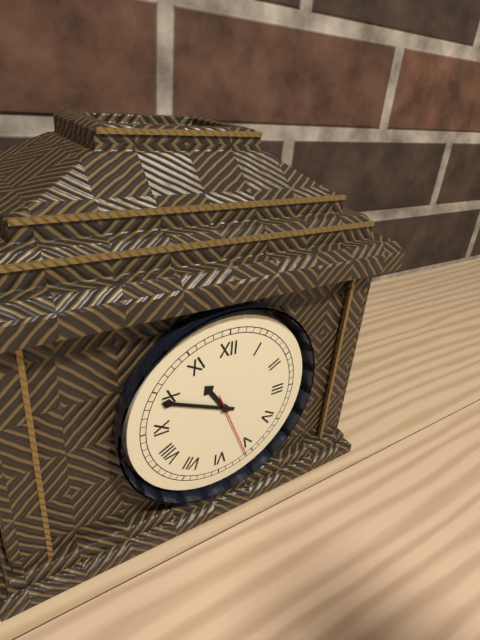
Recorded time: 10:49:26
